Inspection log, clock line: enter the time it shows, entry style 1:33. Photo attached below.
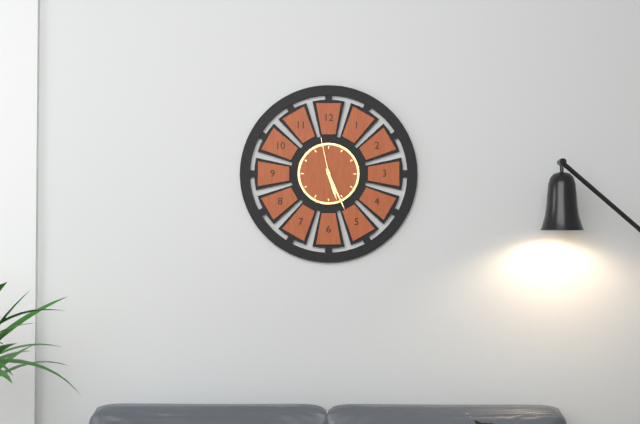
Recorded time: 5:26
